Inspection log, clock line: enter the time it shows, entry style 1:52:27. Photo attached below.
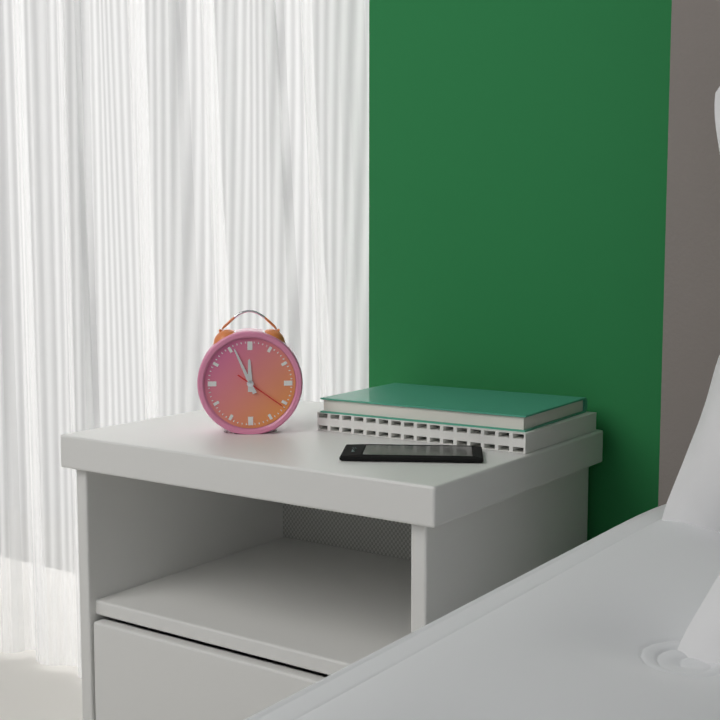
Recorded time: 11:56:21
